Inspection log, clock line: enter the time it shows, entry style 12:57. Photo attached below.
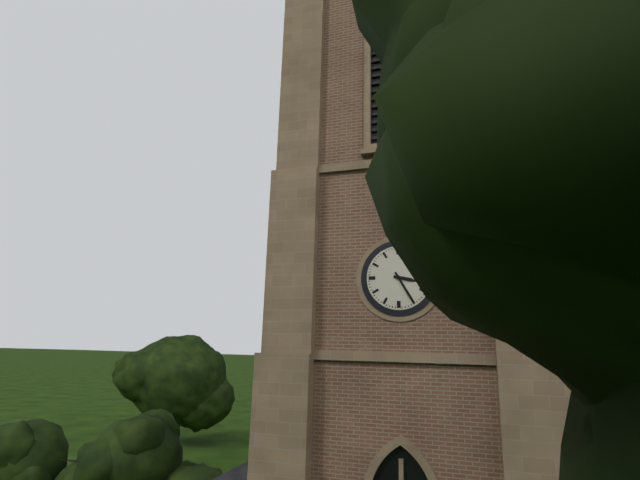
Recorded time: 3:25
